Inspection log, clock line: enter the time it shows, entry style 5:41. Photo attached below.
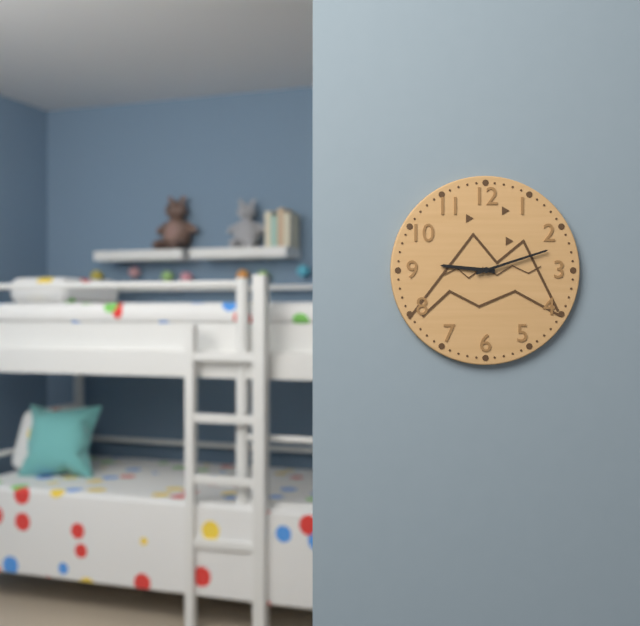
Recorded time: 9:12
